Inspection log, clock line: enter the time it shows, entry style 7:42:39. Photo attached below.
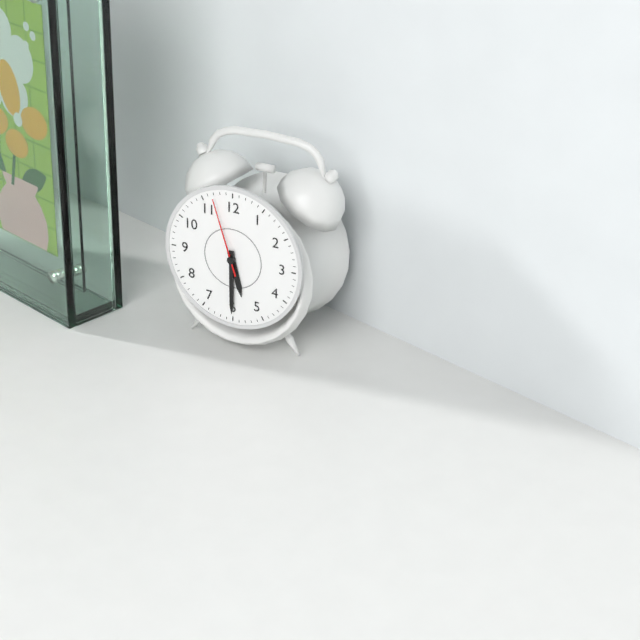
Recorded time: 5:30:57
